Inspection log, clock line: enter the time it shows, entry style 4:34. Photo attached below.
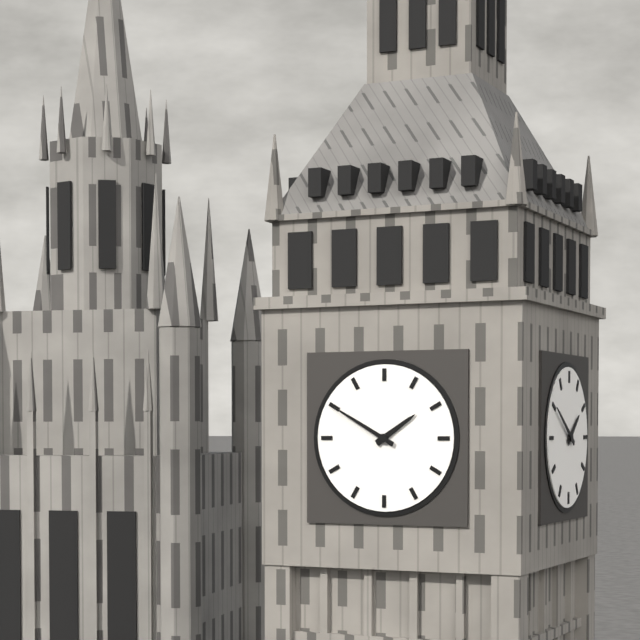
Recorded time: 1:50
